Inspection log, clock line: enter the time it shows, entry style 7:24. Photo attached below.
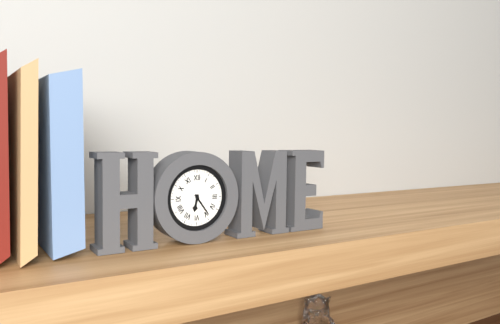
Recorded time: 6:24
